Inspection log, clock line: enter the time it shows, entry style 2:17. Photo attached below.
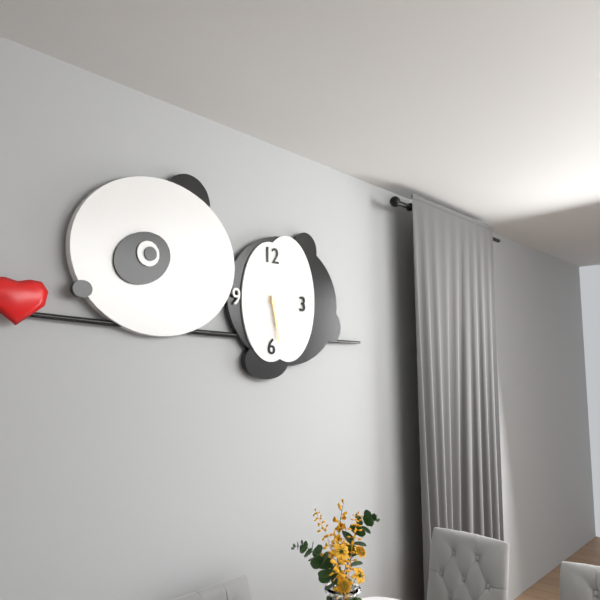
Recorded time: 5:28
